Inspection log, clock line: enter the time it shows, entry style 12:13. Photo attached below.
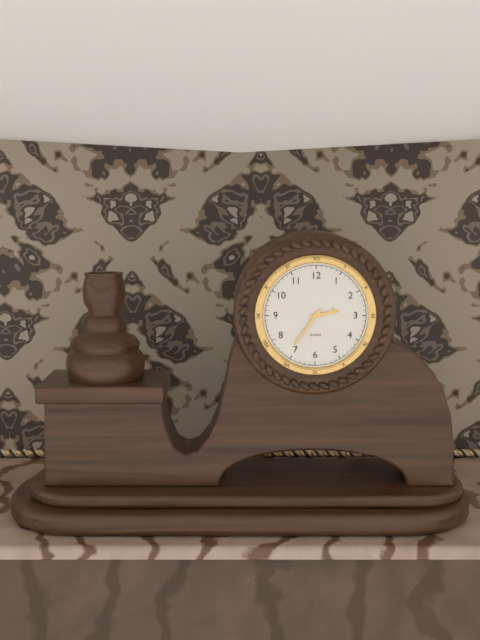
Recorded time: 2:36
